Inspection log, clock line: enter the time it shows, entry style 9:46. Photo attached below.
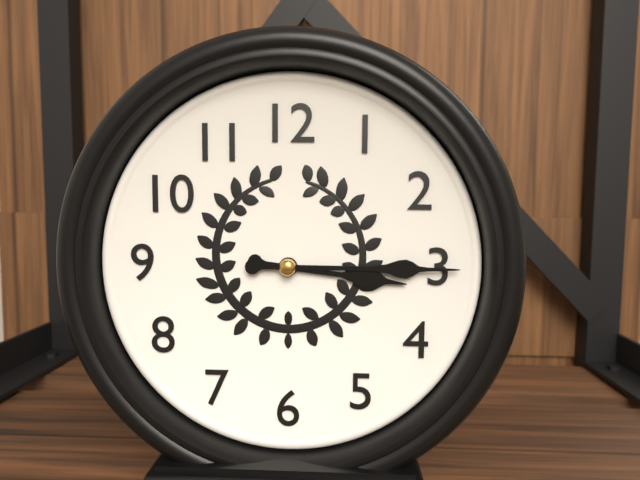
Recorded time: 3:15
